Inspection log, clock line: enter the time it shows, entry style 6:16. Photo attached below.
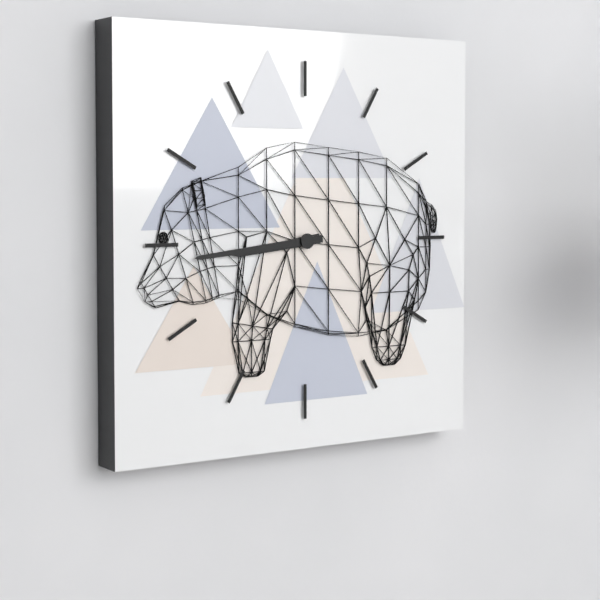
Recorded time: 8:44
